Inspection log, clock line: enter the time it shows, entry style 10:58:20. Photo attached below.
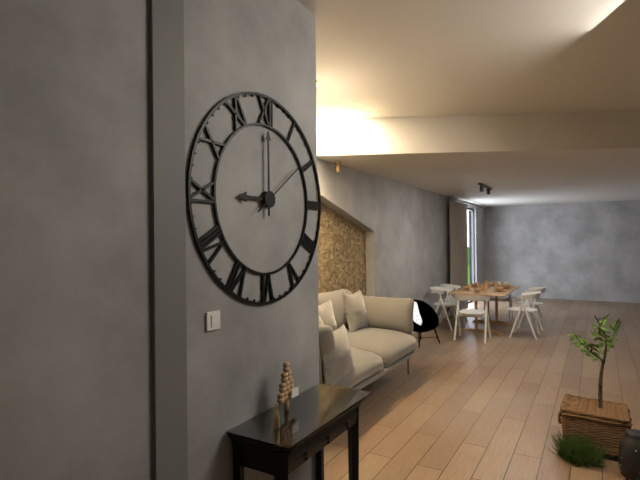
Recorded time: 9:00:09
